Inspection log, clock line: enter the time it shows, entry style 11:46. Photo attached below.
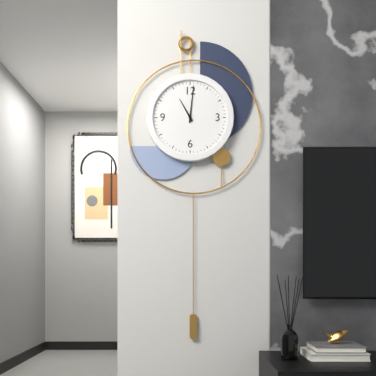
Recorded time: 11:01
